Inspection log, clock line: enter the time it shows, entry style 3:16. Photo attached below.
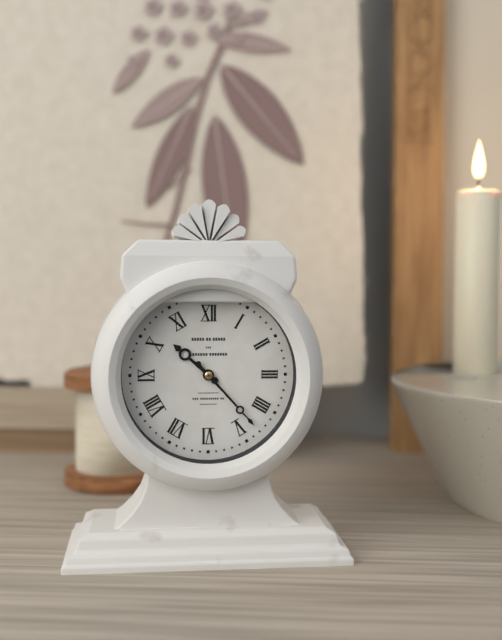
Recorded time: 10:23
